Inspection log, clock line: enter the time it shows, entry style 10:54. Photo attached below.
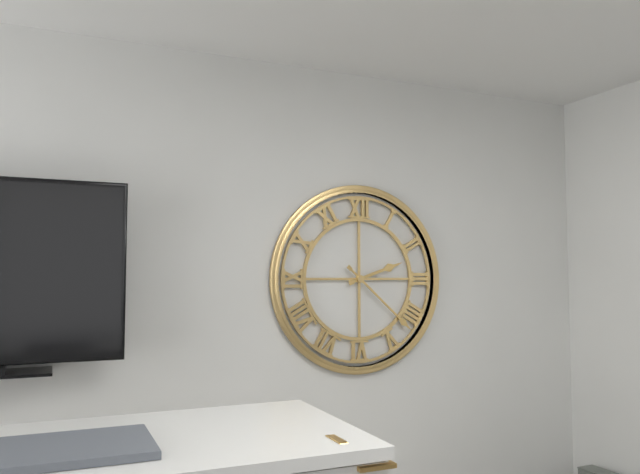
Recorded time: 2:22
